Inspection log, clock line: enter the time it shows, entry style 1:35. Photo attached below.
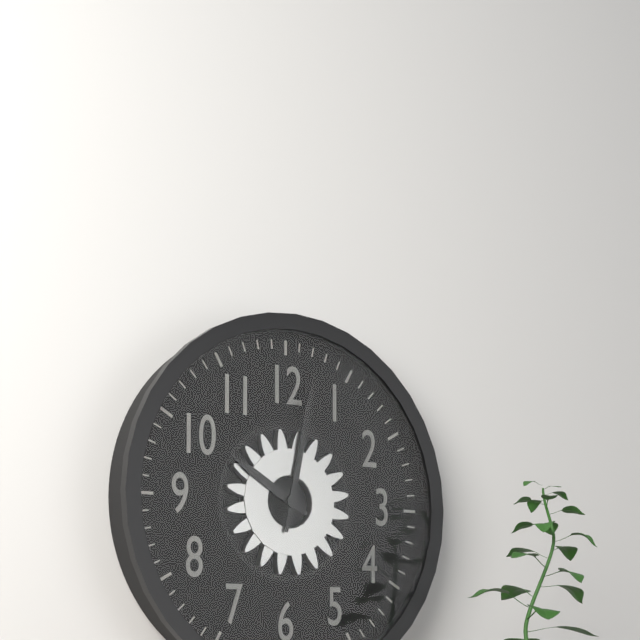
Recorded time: 10:02
